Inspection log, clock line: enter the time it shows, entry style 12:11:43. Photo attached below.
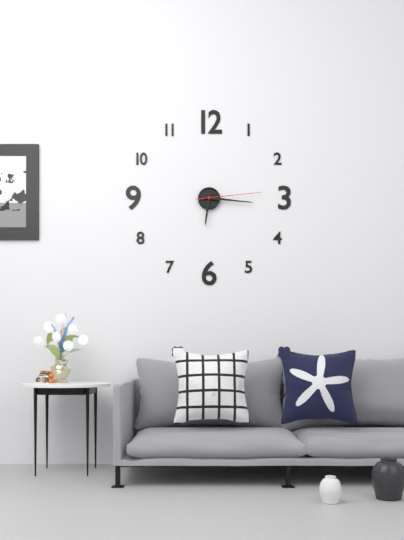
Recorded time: 6:16:14
